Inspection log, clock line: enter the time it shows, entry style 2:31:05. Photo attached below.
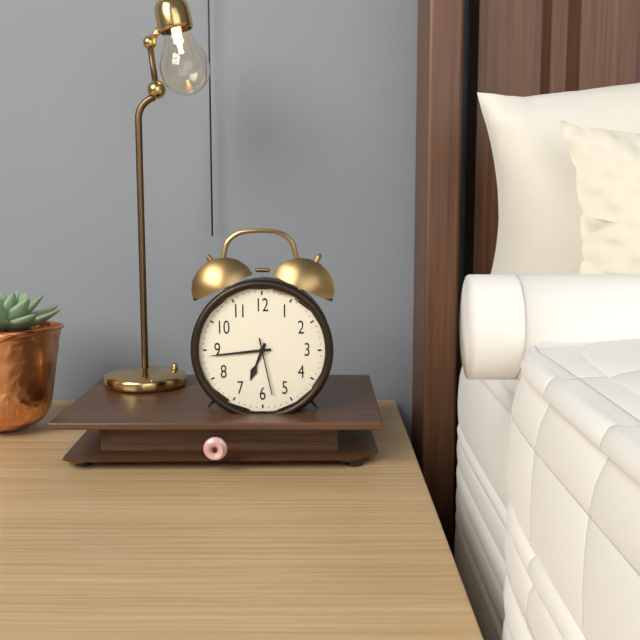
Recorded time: 6:44:28
